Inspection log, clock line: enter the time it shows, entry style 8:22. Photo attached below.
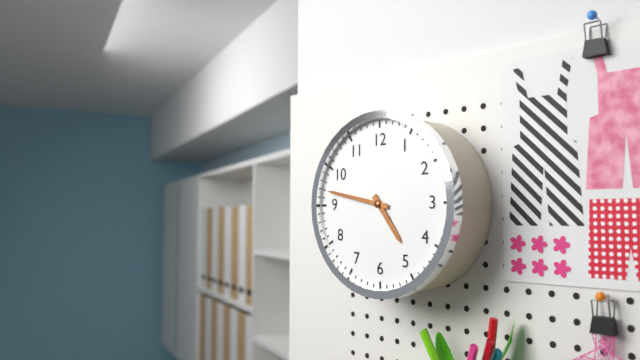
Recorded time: 4:47
